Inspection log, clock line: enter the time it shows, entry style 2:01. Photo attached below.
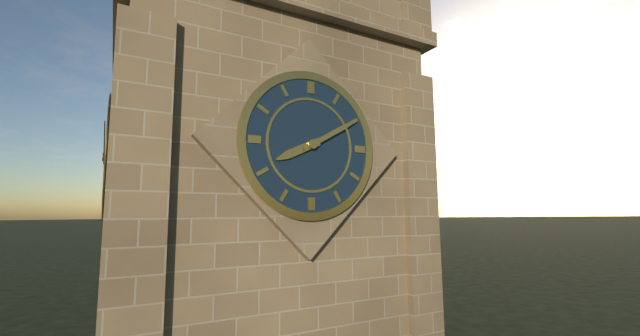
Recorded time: 8:10
